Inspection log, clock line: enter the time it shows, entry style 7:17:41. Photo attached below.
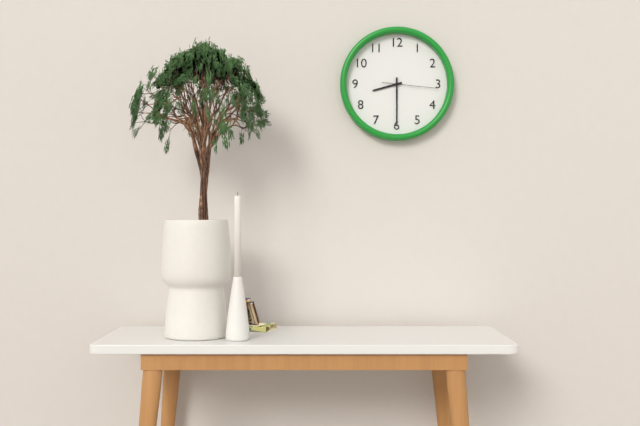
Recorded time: 8:30:16
